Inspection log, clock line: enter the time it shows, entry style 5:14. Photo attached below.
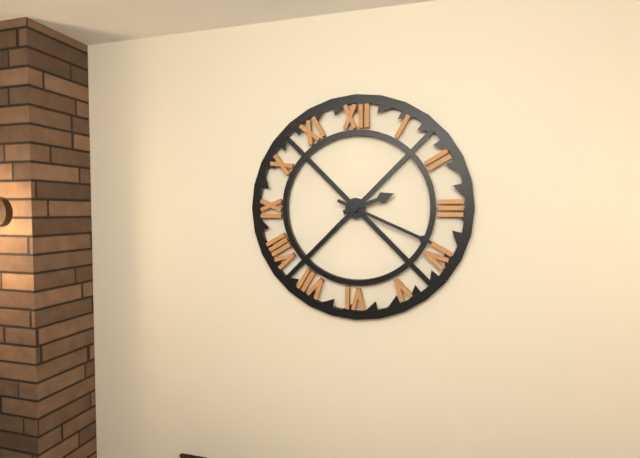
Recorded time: 2:19
